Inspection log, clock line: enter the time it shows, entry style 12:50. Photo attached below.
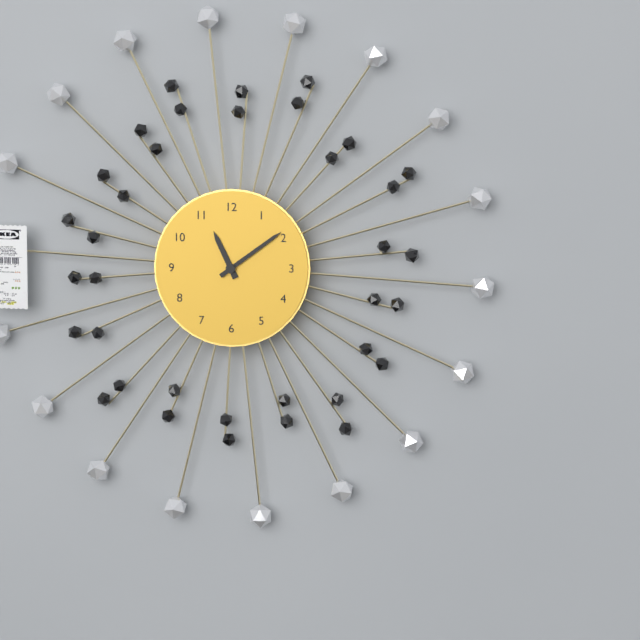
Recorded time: 11:09
